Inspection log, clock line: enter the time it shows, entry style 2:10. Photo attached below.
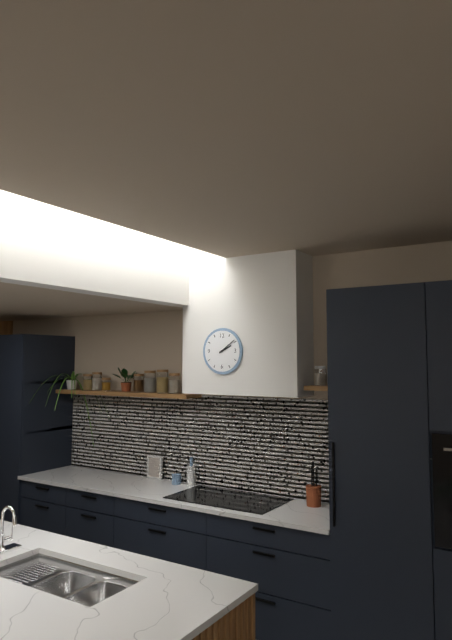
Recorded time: 2:09
